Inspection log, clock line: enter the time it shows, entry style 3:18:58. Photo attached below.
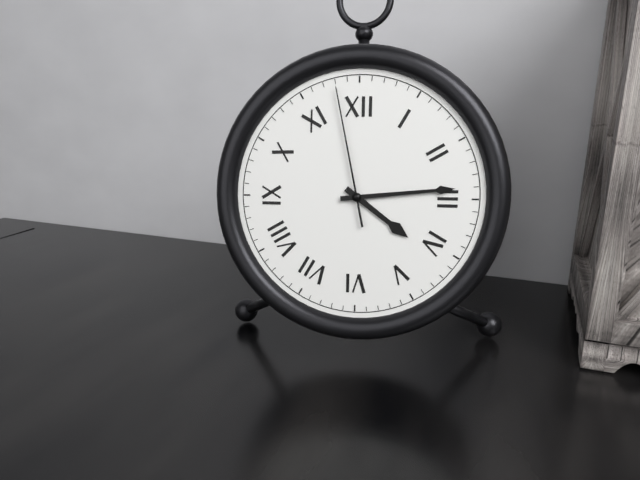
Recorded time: 4:14:58
